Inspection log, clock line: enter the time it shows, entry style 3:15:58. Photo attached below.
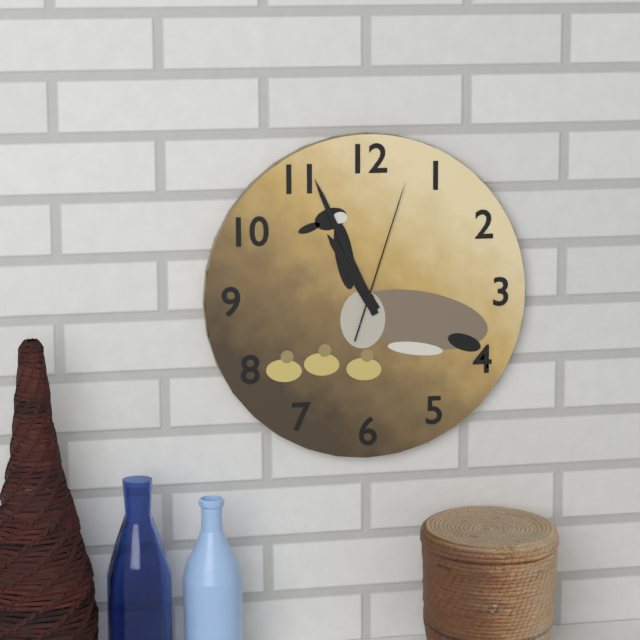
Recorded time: 10:56:03
